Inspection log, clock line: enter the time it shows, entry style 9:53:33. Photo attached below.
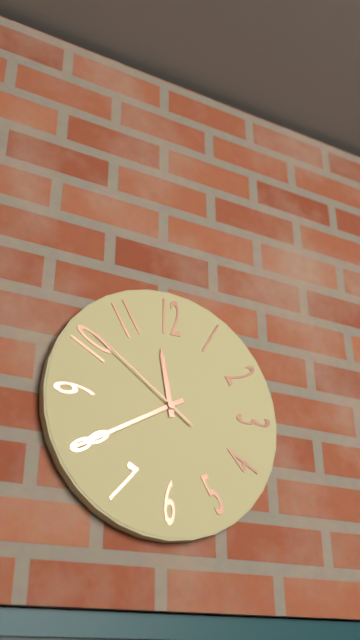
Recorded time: 11:40:51
